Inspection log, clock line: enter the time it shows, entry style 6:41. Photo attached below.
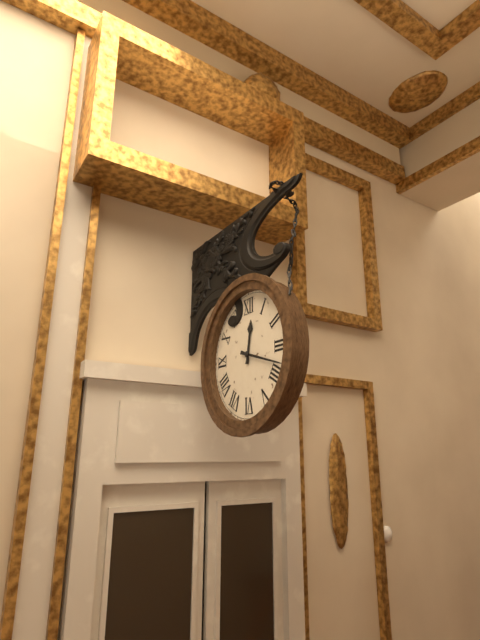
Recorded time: 12:18
